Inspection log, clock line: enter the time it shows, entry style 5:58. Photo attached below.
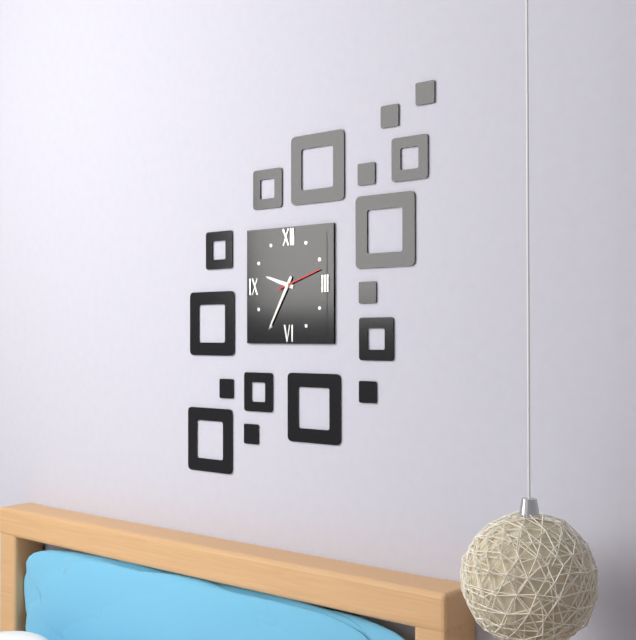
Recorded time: 9:35
